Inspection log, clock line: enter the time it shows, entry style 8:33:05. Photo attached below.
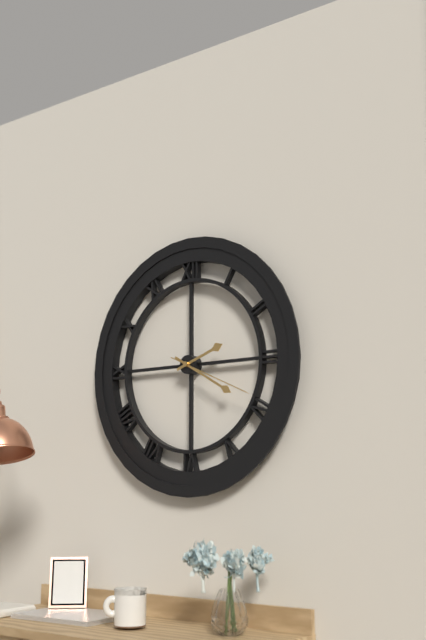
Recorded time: 2:20:19
